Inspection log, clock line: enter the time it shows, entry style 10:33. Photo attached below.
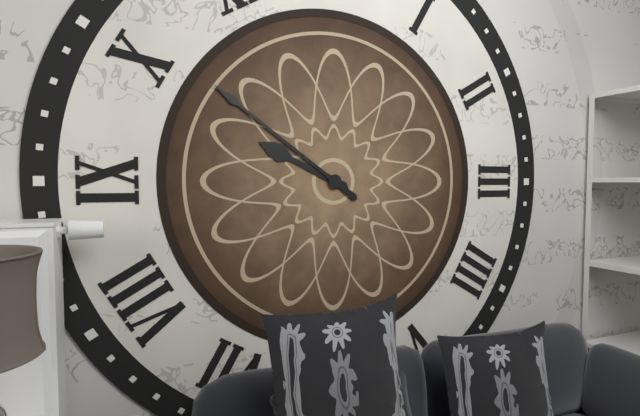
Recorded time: 9:51
